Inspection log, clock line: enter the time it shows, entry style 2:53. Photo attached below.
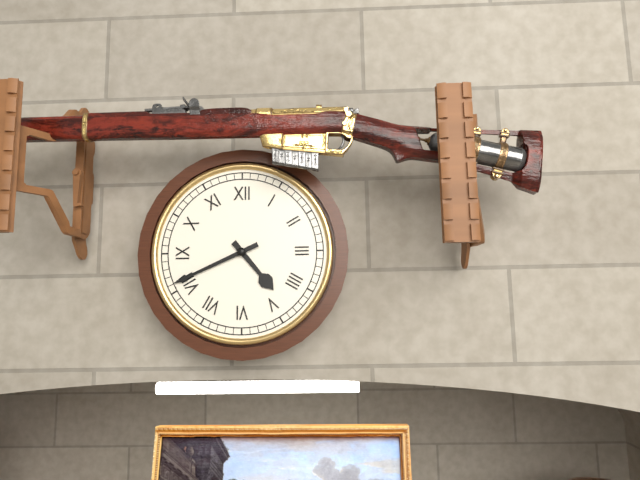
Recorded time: 4:41
